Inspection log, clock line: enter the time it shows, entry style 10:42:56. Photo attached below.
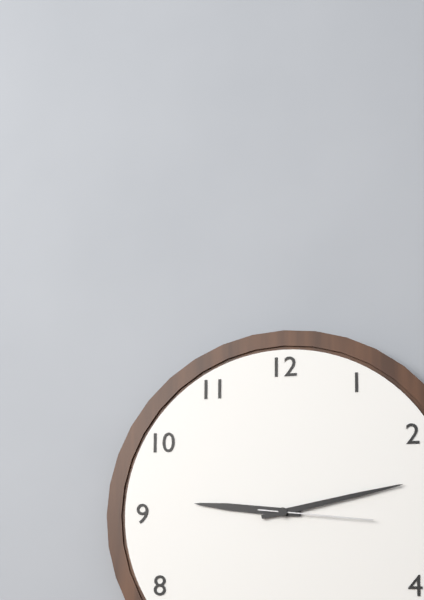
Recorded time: 9:13:16
